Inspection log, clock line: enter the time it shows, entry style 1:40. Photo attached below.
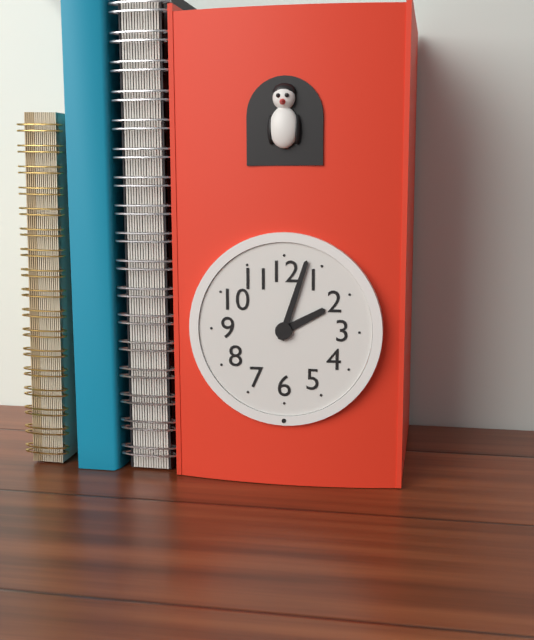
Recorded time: 2:03
